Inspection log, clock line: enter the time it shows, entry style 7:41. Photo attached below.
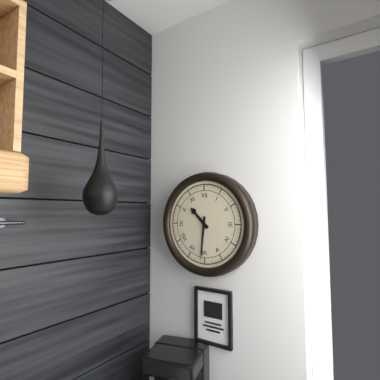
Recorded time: 10:31
